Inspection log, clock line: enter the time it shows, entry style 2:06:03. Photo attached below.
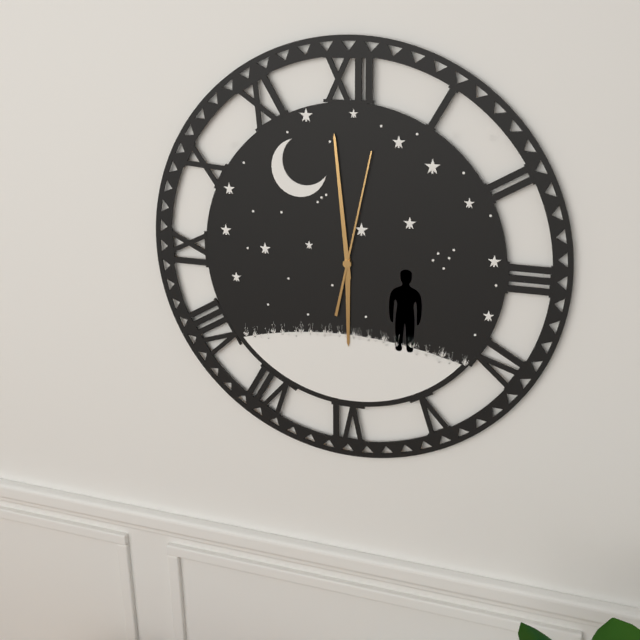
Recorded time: 5:59:02
